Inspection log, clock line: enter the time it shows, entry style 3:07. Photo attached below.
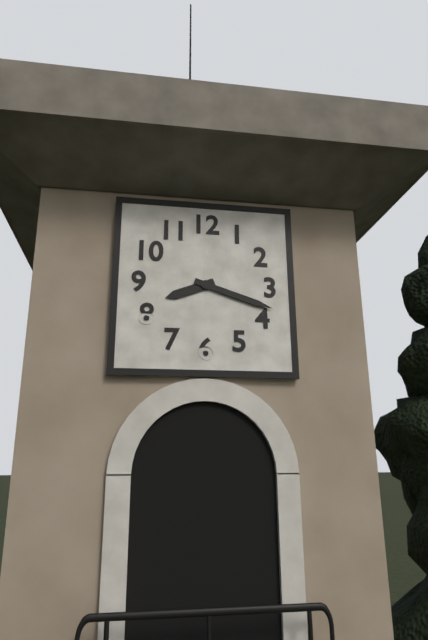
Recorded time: 8:18
